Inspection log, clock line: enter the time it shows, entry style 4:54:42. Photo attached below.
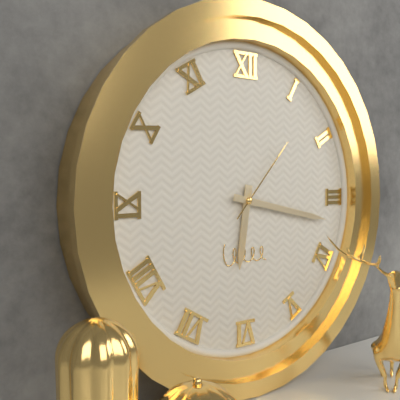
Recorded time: 6:17:07
